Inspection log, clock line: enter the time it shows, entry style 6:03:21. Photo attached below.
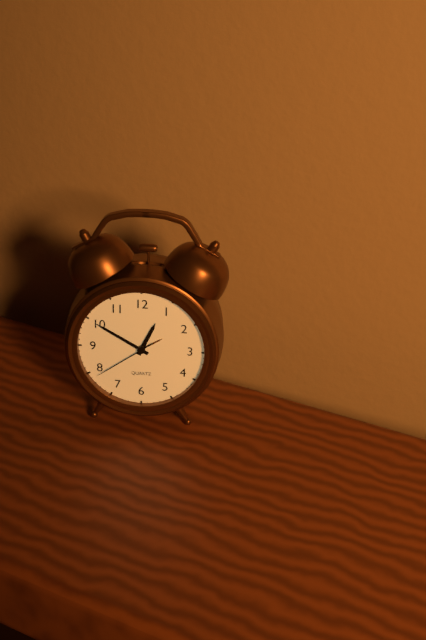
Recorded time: 12:50:39
